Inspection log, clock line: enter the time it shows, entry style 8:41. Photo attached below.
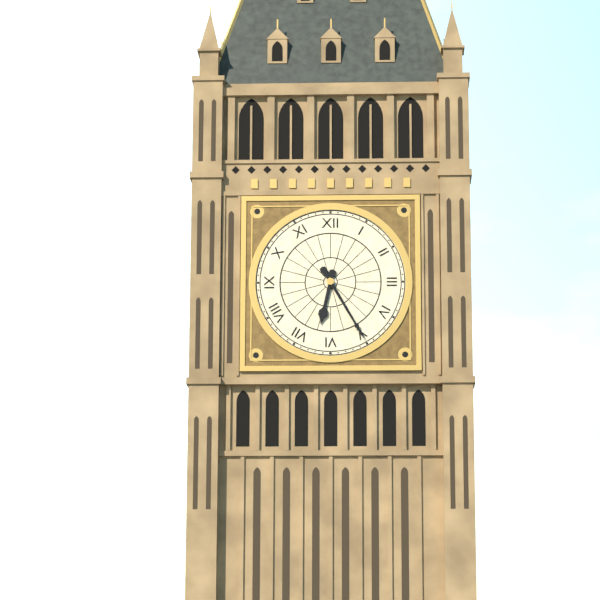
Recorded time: 6:25
